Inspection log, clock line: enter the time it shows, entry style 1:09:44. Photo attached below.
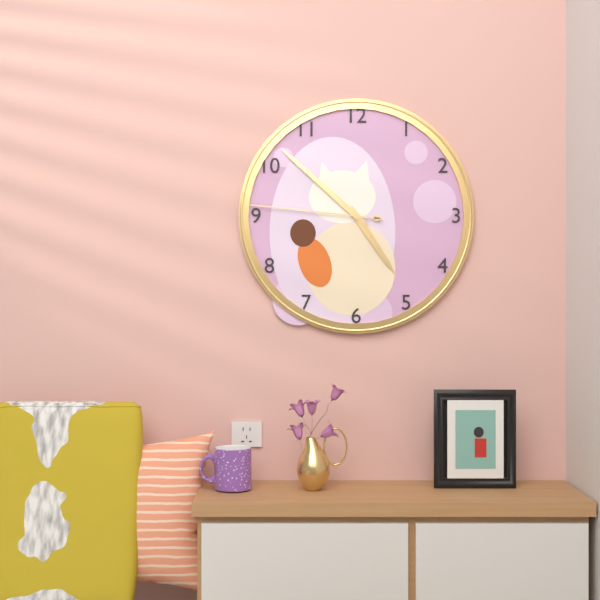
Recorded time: 4:52:46
